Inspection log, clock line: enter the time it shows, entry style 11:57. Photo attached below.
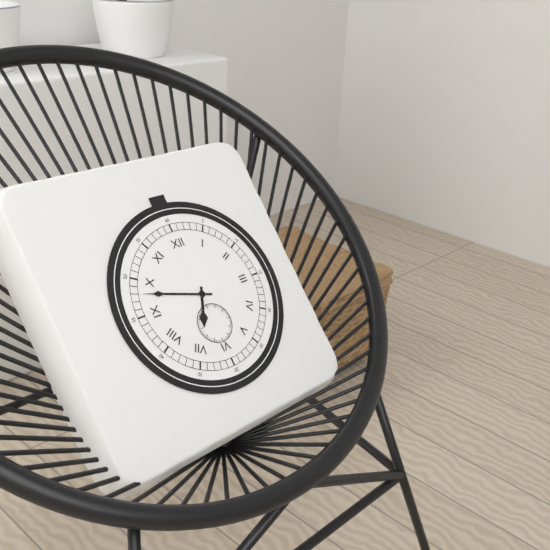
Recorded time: 6:48
